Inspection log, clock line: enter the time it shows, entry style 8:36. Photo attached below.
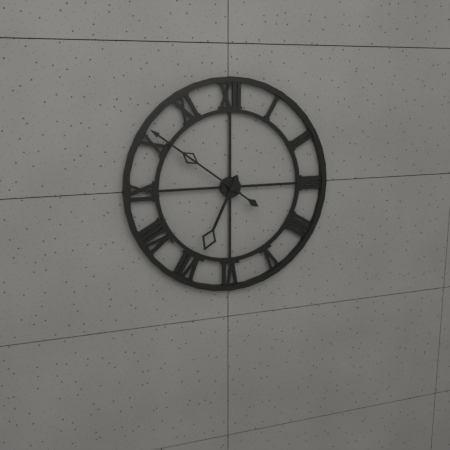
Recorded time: 6:51
